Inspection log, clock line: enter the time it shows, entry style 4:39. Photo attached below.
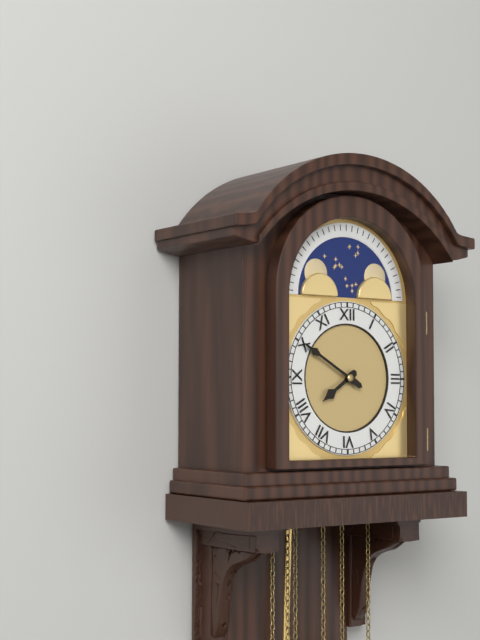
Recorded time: 7:50
